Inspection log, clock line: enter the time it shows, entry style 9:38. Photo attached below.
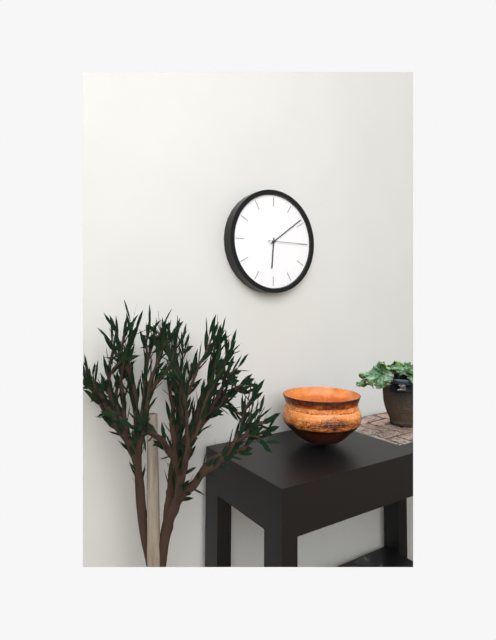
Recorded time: 6:09
